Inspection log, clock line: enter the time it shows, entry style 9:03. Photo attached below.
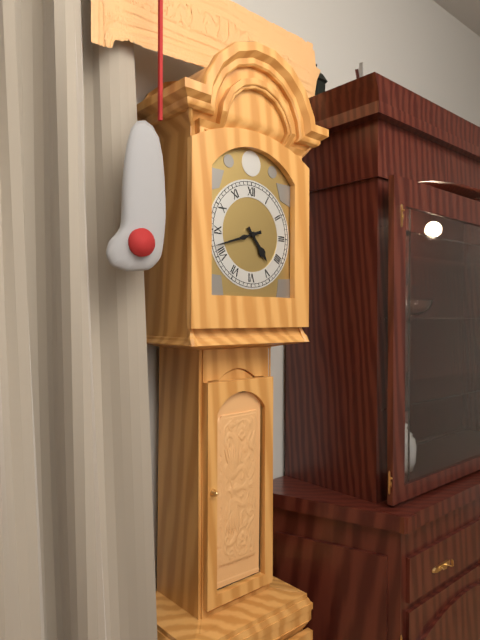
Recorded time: 4:42
